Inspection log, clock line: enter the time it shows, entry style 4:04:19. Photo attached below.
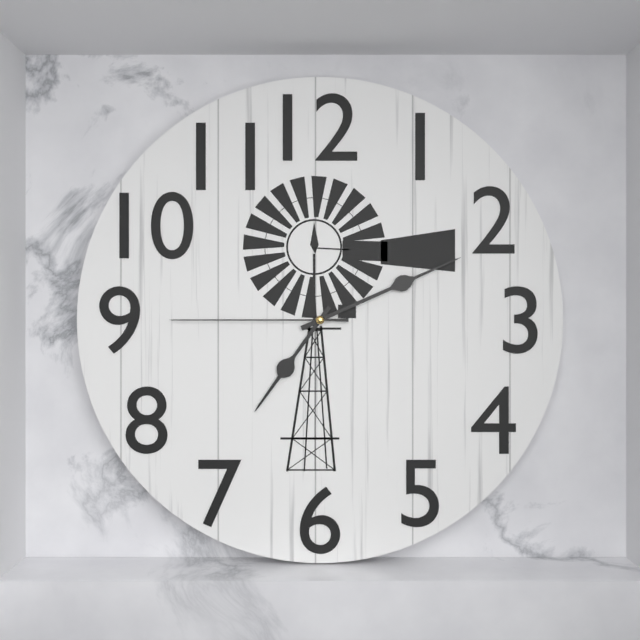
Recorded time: 7:11:45
